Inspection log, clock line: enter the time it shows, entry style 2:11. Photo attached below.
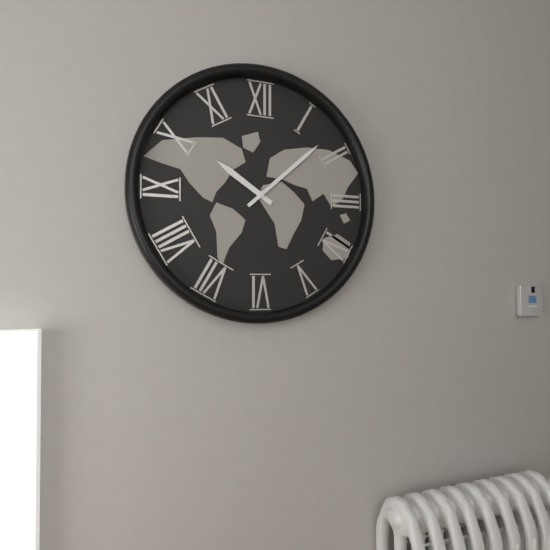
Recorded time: 10:08
